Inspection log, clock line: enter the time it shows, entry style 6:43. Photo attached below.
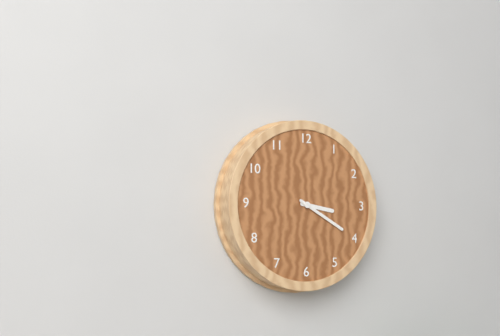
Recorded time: 3:20
